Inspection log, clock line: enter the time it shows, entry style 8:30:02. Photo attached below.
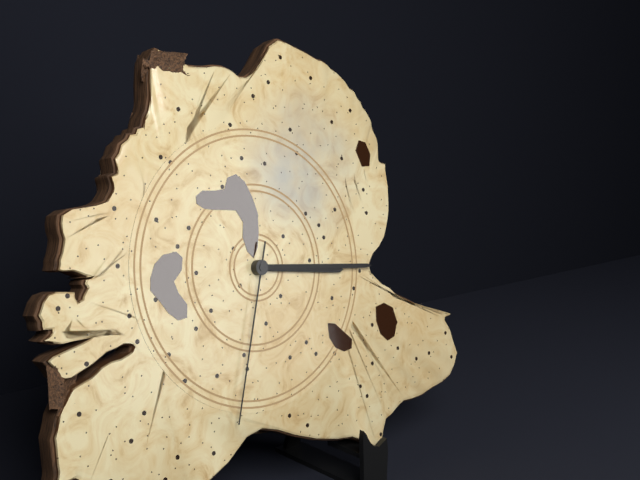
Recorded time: 3:16:33
